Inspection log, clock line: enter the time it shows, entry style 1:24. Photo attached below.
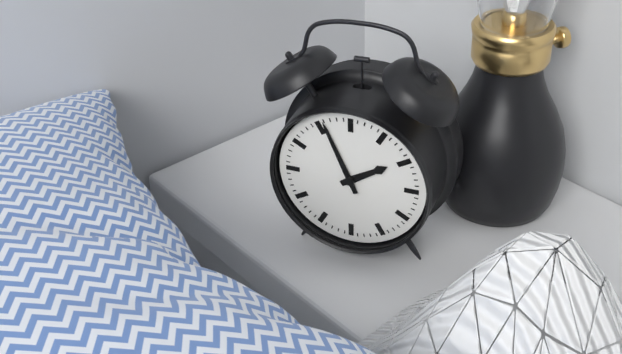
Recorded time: 1:56
